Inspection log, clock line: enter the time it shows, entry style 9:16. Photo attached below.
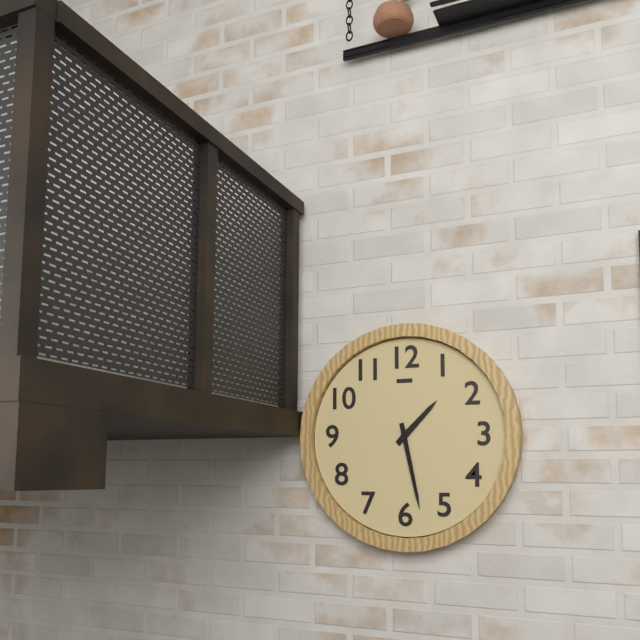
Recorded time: 1:28
